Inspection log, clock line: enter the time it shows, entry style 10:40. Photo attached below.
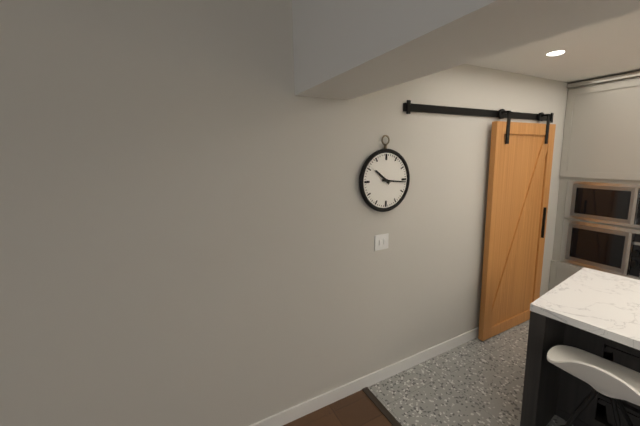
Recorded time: 10:16
